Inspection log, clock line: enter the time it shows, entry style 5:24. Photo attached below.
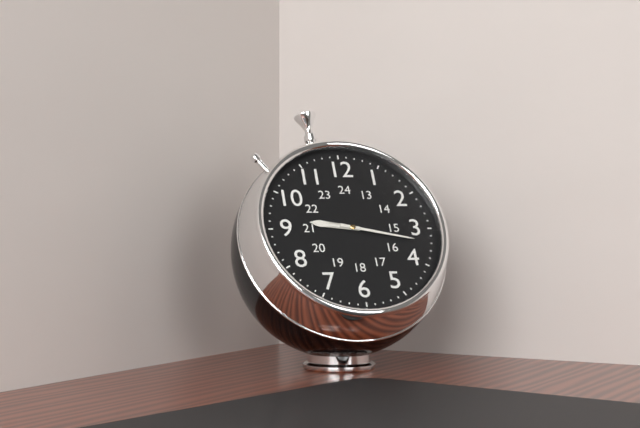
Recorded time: 9:17
